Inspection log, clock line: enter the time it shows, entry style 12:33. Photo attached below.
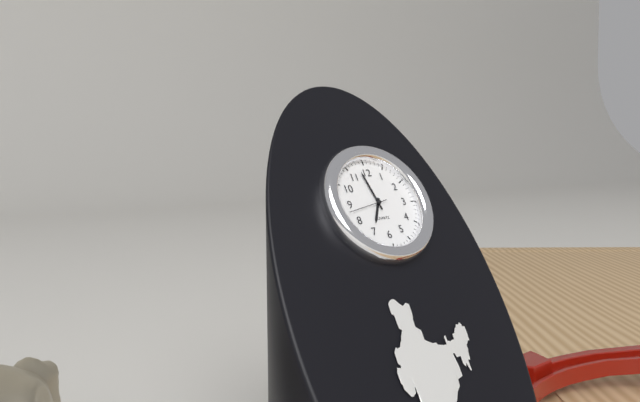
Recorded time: 6:58
